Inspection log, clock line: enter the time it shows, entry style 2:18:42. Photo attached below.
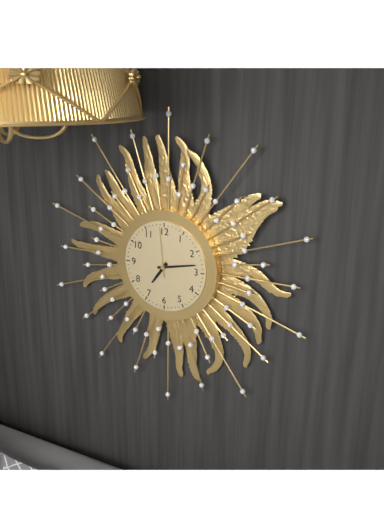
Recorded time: 7:13:59
